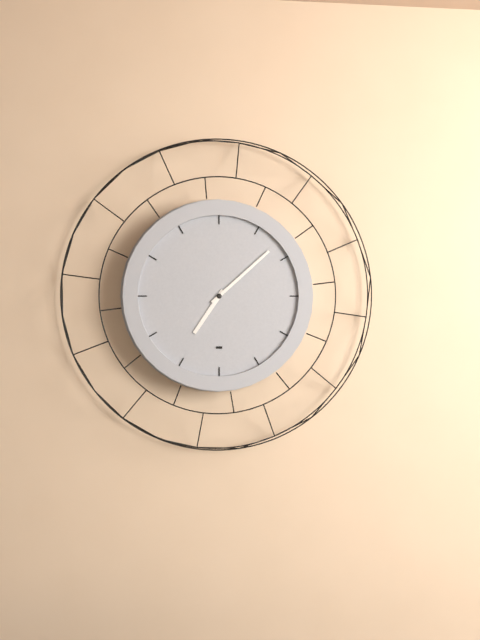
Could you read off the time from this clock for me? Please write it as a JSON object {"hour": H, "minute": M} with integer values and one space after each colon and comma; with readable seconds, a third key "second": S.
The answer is {"hour": 7, "minute": 8}
